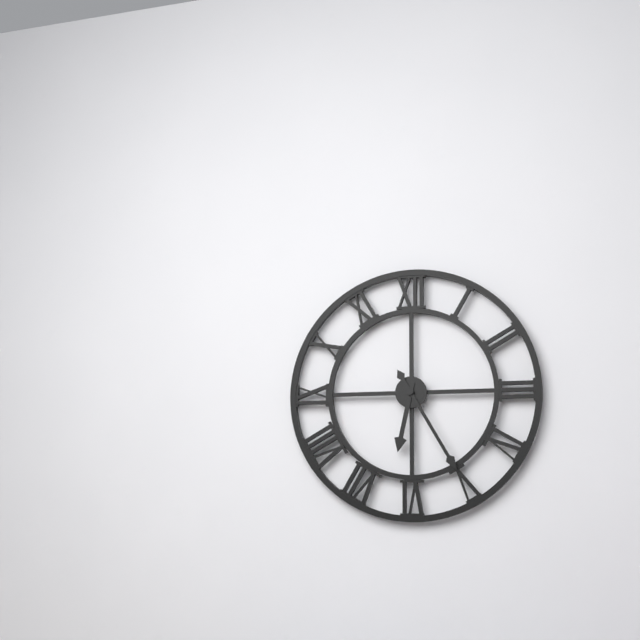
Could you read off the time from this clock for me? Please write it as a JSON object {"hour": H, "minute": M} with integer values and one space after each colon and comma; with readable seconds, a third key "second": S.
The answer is {"hour": 6, "minute": 25}
